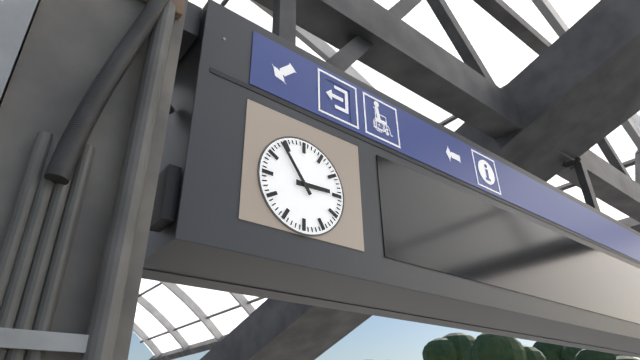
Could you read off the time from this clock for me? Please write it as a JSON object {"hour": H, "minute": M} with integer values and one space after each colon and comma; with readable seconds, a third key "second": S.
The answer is {"hour": 2, "minute": 54}
